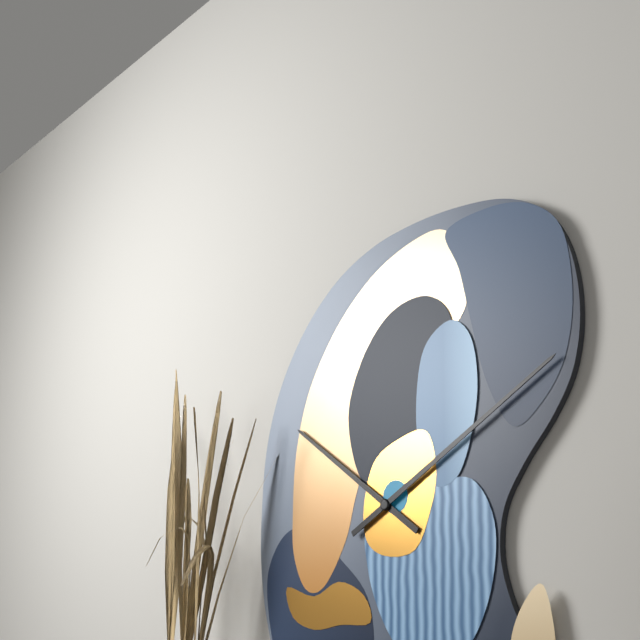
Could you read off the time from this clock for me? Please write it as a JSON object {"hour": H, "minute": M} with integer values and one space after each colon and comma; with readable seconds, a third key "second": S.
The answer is {"hour": 10, "minute": 10}
